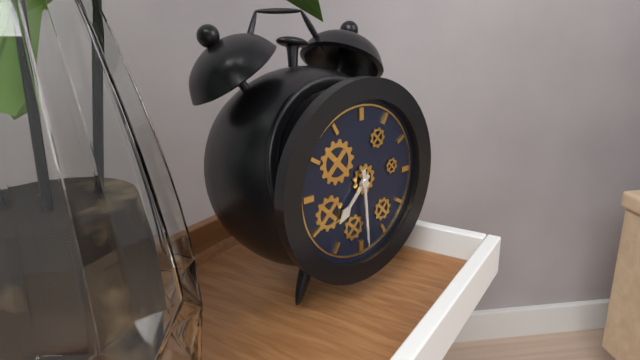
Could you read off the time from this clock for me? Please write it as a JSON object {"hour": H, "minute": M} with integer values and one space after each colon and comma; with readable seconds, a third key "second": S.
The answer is {"hour": 7, "minute": 29}
